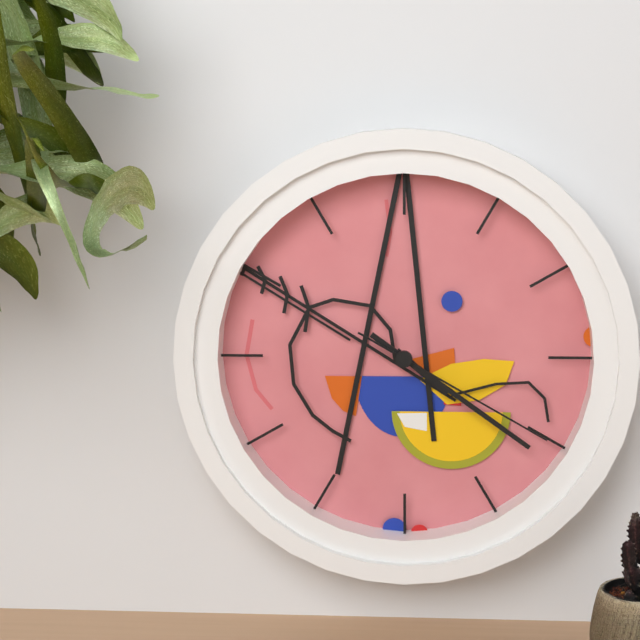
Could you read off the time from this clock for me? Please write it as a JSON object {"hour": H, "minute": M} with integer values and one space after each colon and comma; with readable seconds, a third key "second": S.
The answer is {"hour": 4, "minute": 21, "second": 20}
